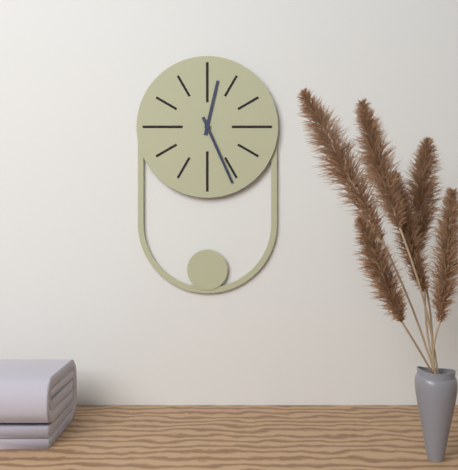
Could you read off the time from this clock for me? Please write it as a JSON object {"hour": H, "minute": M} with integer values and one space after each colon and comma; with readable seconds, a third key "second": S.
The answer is {"hour": 12, "minute": 26}
